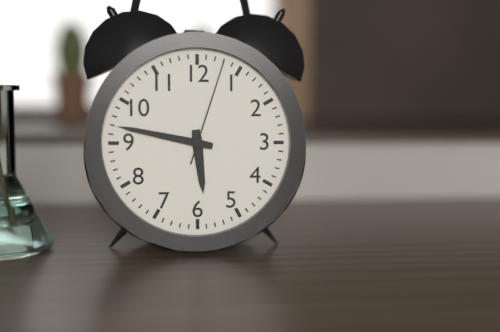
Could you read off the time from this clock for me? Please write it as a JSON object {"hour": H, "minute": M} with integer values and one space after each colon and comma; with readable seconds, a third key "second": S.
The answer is {"hour": 5, "minute": 47, "second": 3}
